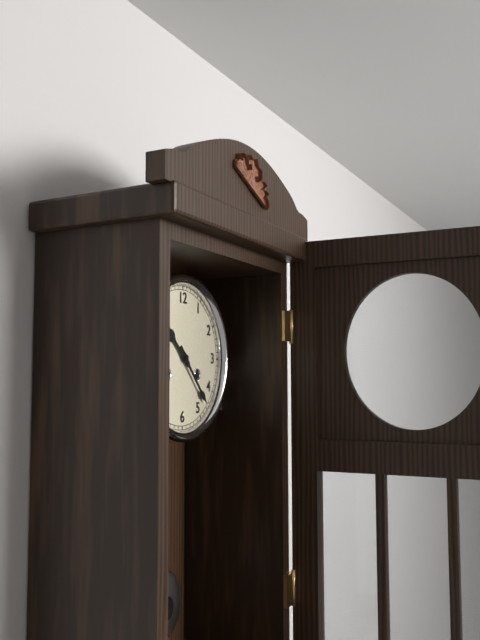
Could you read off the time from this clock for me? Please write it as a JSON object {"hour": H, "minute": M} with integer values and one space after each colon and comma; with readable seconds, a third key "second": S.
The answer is {"hour": 10, "minute": 23}
